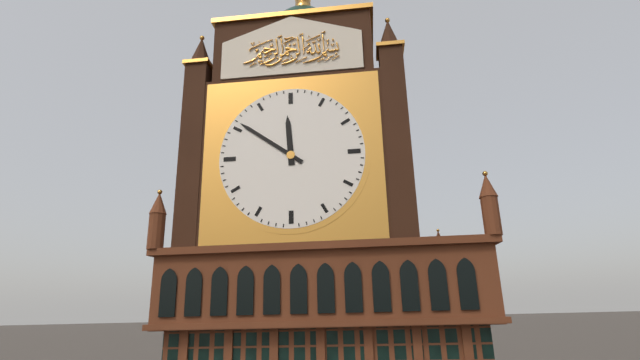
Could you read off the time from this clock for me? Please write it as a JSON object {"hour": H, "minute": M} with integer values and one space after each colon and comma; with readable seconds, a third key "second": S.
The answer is {"hour": 11, "minute": 51}
